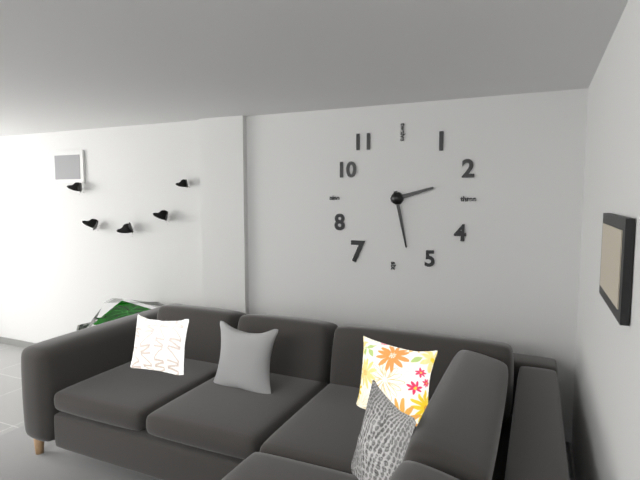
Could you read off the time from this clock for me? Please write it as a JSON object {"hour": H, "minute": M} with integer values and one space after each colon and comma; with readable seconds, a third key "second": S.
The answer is {"hour": 2, "minute": 28}
